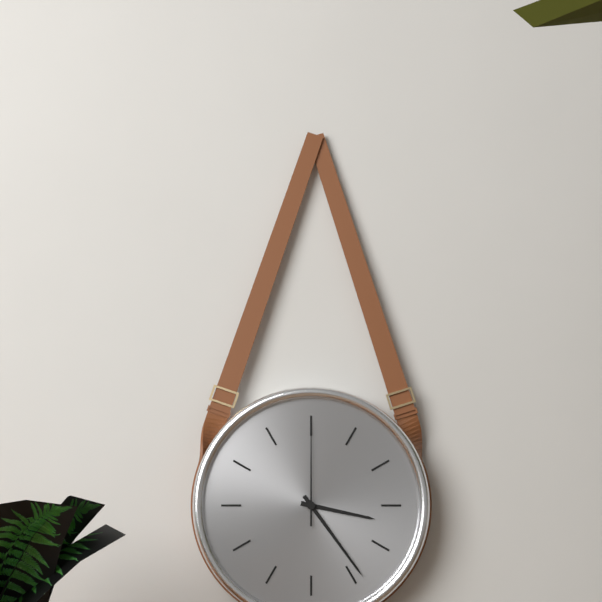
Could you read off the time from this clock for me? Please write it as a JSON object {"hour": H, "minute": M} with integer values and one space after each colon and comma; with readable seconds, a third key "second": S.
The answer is {"hour": 3, "minute": 24, "second": 0}
